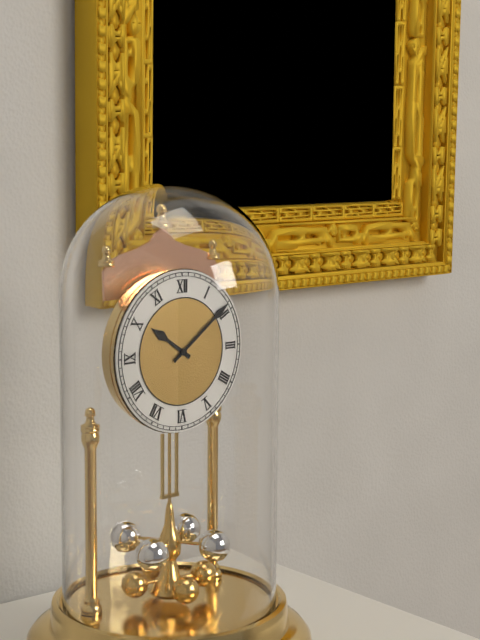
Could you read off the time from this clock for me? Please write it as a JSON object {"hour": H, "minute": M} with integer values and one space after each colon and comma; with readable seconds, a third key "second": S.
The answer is {"hour": 10, "minute": 9}
